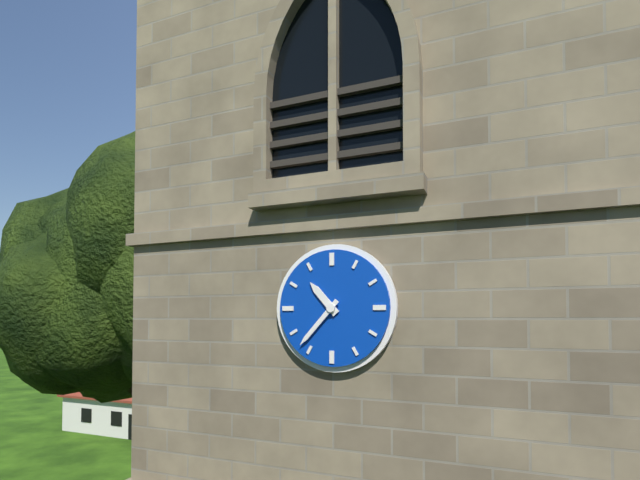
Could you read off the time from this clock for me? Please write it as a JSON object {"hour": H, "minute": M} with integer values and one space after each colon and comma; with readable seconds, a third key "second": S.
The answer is {"hour": 10, "minute": 37}
